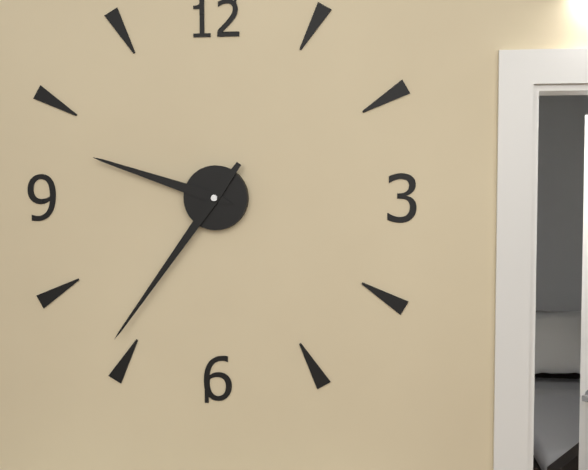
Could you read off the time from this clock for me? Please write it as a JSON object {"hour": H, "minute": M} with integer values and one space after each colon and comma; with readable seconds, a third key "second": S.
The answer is {"hour": 9, "minute": 36}
